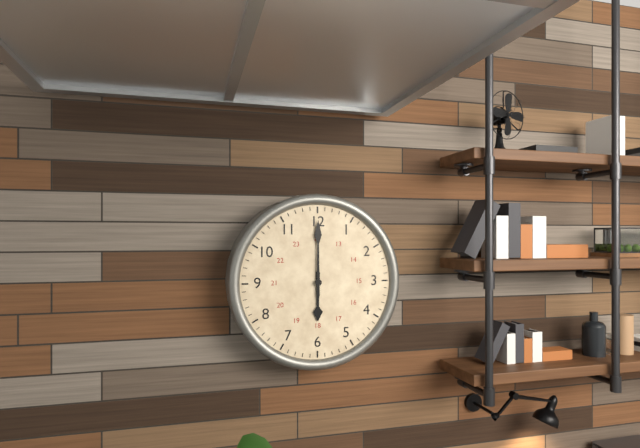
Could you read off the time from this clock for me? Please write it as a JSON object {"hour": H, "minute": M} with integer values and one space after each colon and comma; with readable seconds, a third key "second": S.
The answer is {"hour": 6, "minute": 0}
